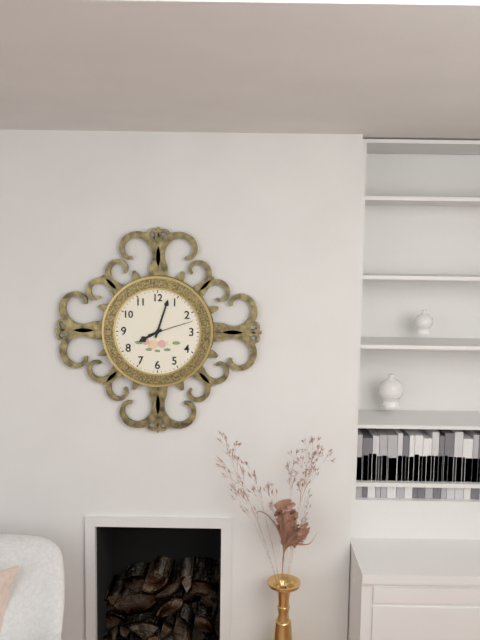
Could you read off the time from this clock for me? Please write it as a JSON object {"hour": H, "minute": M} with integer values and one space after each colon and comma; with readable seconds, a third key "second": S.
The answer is {"hour": 8, "minute": 3}
